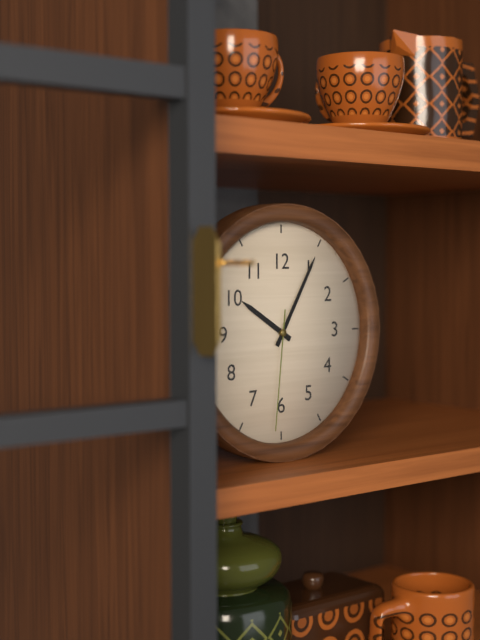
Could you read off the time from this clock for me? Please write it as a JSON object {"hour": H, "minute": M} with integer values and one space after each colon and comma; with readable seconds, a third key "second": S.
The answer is {"hour": 10, "minute": 5, "second": 31}
